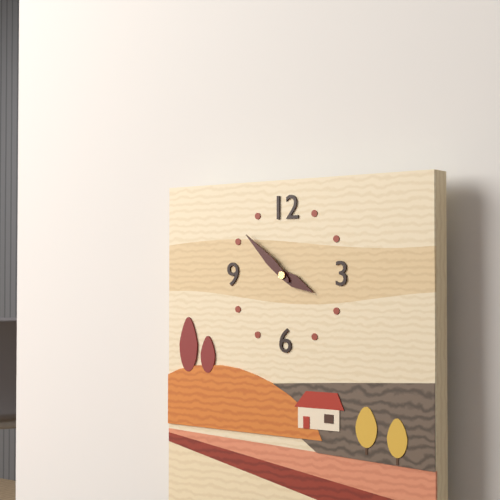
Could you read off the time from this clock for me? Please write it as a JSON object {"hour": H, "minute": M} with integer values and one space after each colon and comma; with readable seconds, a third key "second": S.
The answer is {"hour": 3, "minute": 52}
